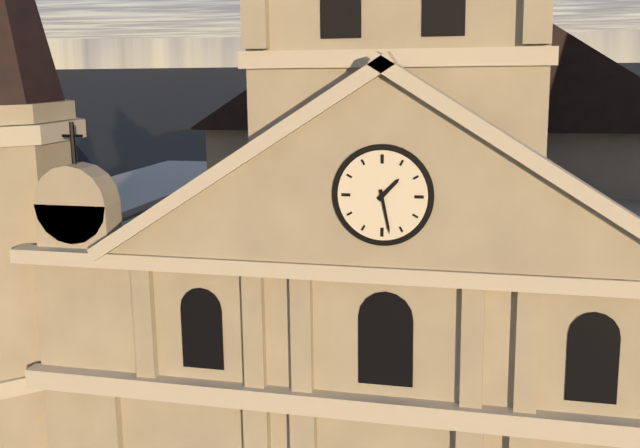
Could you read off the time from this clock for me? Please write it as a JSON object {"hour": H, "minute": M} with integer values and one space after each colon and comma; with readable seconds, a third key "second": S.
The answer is {"hour": 1, "minute": 28}
